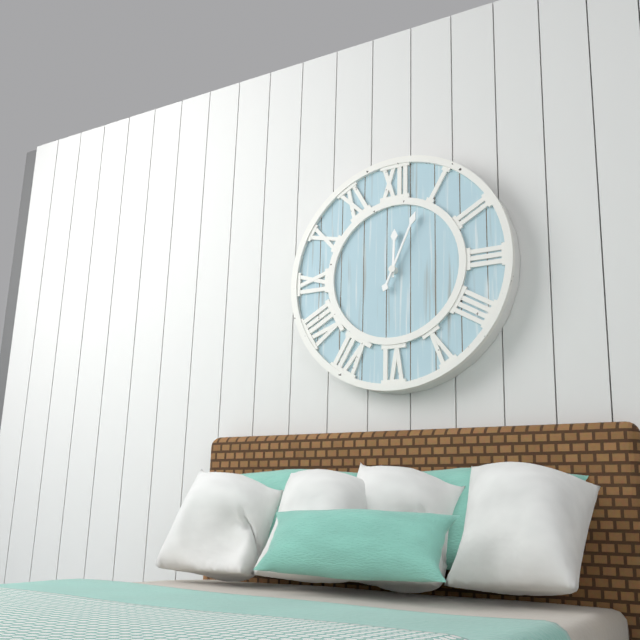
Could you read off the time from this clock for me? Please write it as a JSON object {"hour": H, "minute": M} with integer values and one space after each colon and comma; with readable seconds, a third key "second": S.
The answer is {"hour": 12, "minute": 4}
